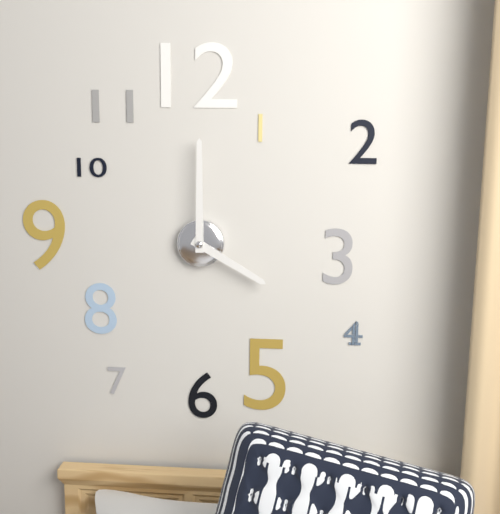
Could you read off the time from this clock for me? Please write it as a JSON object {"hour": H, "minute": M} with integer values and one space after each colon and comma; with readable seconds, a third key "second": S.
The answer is {"hour": 4, "minute": 0}
